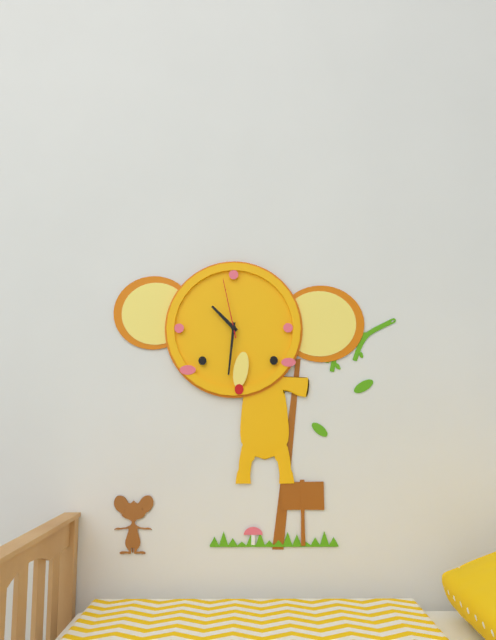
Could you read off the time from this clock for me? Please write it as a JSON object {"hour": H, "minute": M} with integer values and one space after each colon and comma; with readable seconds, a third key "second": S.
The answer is {"hour": 10, "minute": 31, "second": 58}
